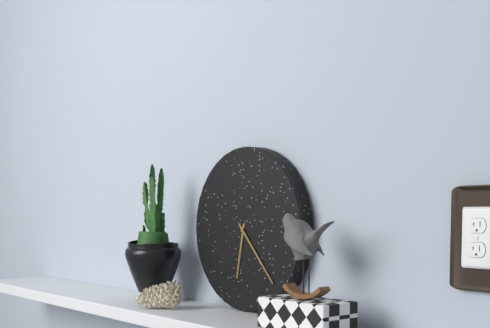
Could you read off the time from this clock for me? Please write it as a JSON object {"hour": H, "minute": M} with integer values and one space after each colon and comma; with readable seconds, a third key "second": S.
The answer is {"hour": 6, "minute": 23}
